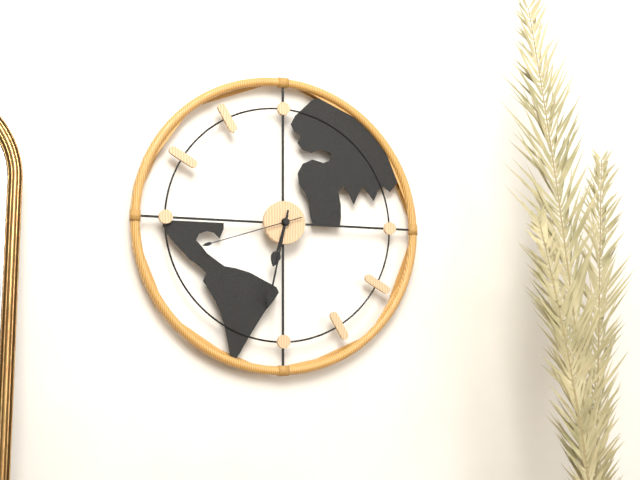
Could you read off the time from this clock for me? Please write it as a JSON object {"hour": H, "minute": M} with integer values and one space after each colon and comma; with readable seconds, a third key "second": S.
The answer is {"hour": 6, "minute": 32, "second": 42}
